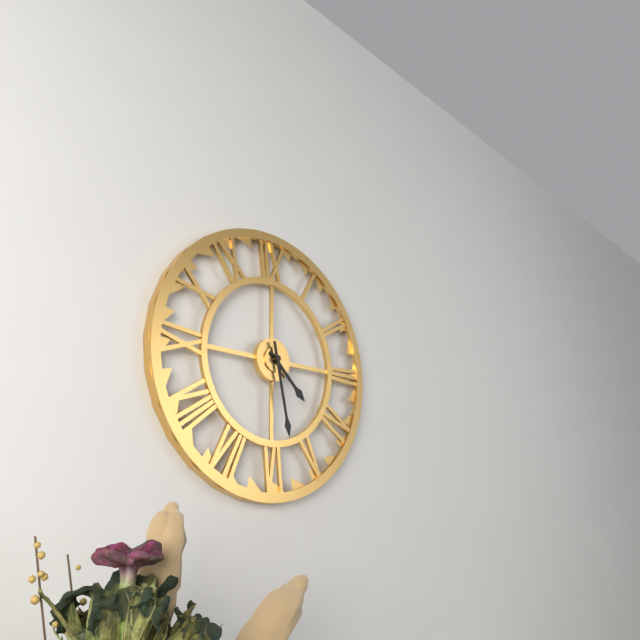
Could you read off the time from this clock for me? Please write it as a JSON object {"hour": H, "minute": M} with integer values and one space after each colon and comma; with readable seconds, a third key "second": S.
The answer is {"hour": 4, "minute": 28}
